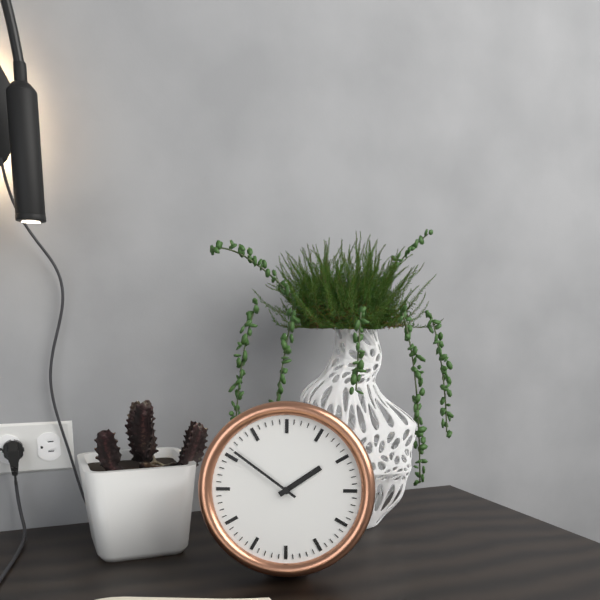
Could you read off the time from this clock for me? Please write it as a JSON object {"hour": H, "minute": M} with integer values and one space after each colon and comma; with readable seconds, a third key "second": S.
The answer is {"hour": 1, "minute": 51}
